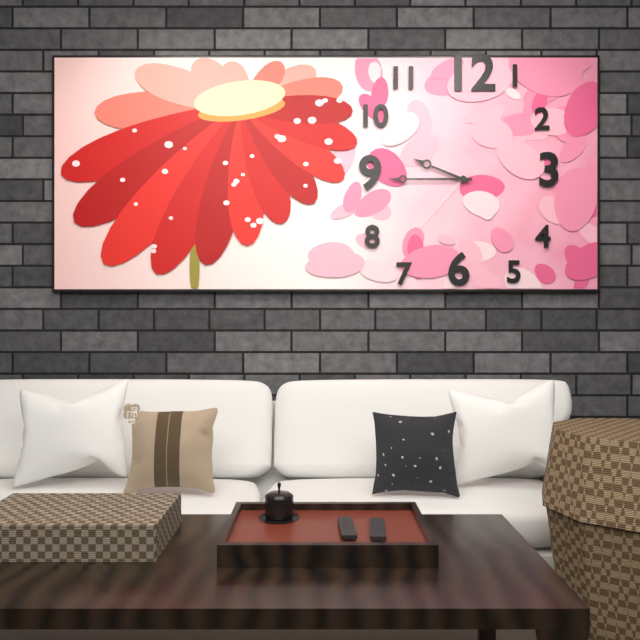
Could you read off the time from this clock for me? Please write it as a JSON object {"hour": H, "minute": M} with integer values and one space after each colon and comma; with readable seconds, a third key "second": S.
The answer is {"hour": 9, "minute": 45, "second": 37}
